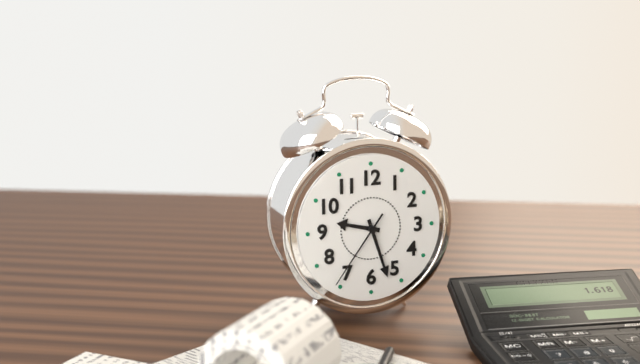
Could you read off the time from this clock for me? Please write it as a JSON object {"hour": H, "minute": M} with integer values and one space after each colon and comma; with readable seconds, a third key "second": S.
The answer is {"hour": 9, "minute": 27, "second": 36}
